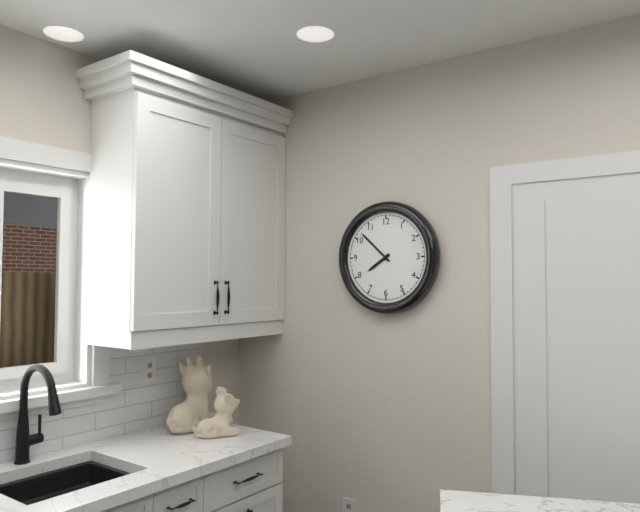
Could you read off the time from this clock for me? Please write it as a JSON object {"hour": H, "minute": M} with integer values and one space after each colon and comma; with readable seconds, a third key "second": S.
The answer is {"hour": 7, "minute": 52}
